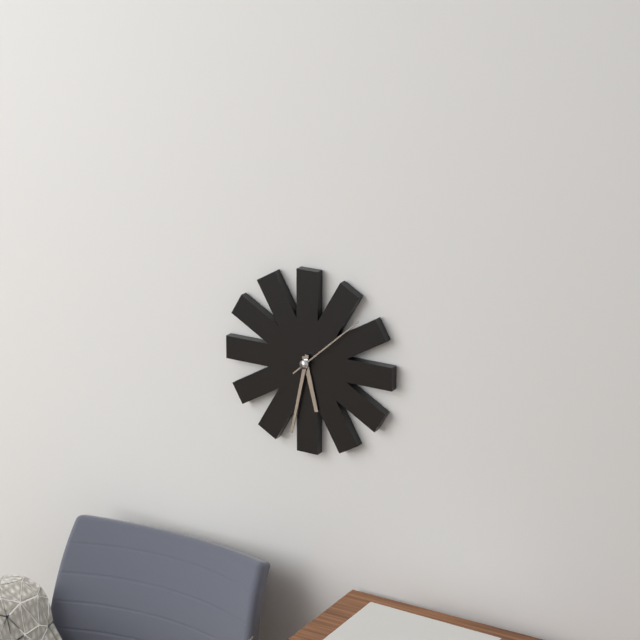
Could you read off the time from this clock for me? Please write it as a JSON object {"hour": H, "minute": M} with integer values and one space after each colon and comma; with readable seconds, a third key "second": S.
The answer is {"hour": 5, "minute": 32, "second": 8}
